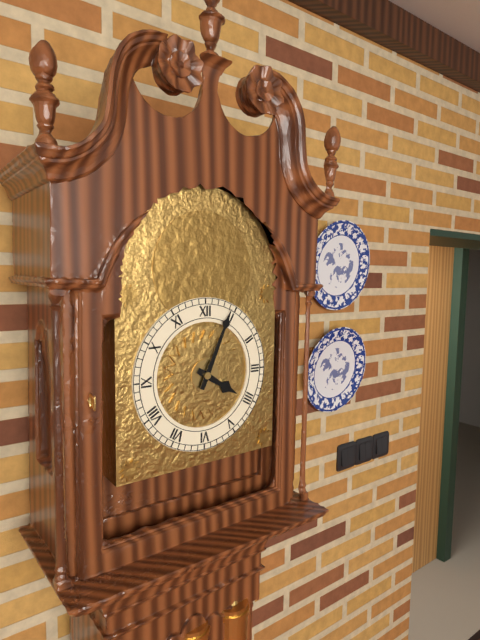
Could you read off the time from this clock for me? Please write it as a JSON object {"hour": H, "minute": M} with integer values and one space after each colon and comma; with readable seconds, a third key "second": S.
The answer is {"hour": 4, "minute": 4}
